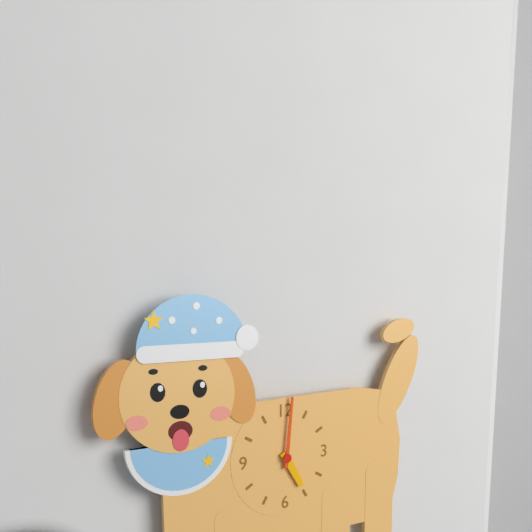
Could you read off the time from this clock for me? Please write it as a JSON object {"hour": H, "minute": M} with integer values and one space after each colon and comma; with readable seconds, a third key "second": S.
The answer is {"hour": 5, "minute": 1}
